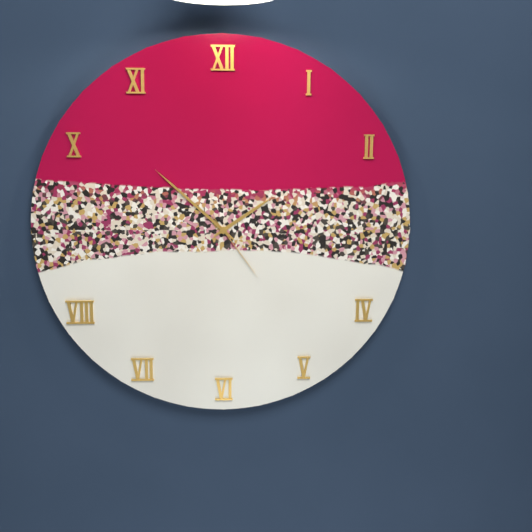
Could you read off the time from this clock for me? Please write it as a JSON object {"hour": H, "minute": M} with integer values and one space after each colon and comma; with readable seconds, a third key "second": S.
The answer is {"hour": 1, "minute": 52, "second": 24}
